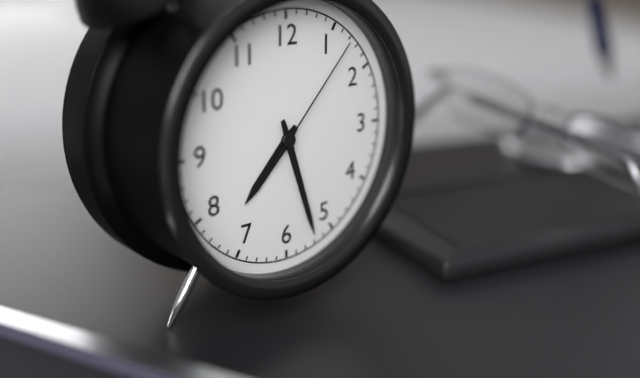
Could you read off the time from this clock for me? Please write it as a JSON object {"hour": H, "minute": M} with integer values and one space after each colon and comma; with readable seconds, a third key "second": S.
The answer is {"hour": 7, "minute": 27, "second": 7}
